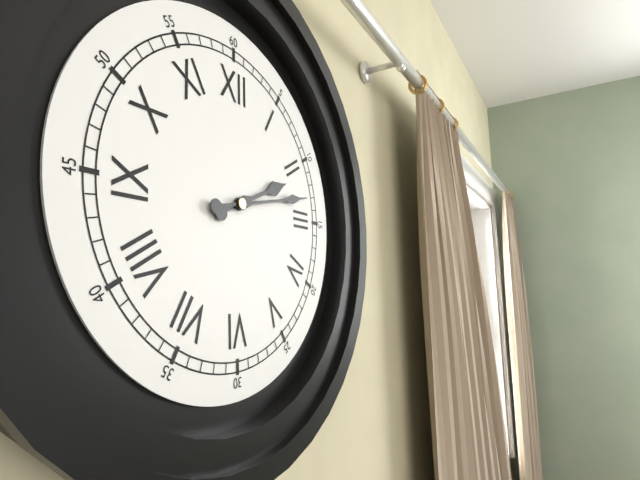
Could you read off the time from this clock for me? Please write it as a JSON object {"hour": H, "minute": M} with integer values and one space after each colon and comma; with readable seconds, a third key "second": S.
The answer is {"hour": 2, "minute": 13}
